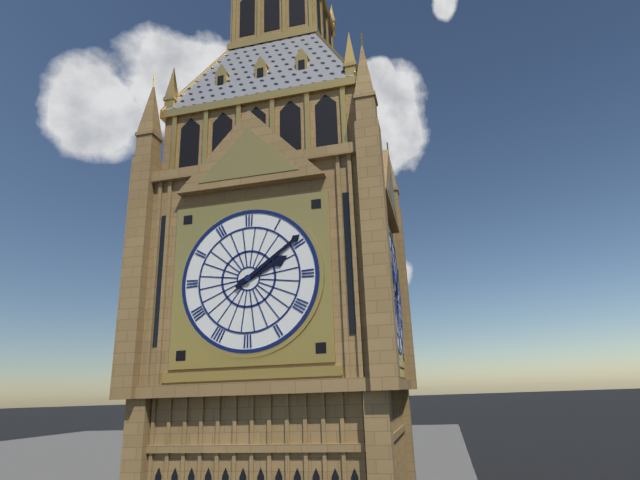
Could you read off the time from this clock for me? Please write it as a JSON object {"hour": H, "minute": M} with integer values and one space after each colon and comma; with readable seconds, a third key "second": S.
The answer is {"hour": 2, "minute": 9}
